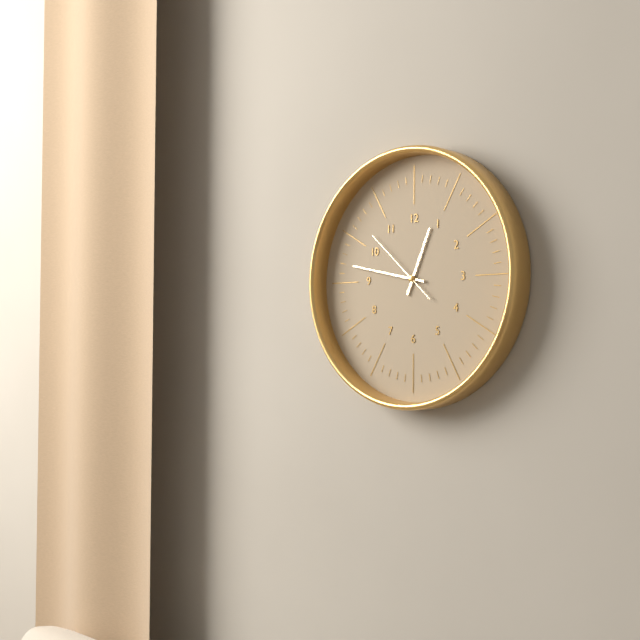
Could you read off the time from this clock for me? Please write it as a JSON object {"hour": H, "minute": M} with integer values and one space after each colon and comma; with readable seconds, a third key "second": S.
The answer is {"hour": 12, "minute": 47, "second": 52}
